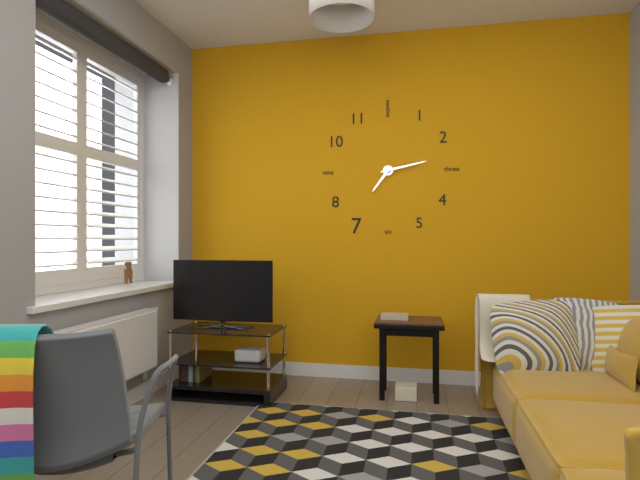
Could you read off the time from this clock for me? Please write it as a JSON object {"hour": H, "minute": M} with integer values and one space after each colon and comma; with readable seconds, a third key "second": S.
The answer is {"hour": 7, "minute": 13}
